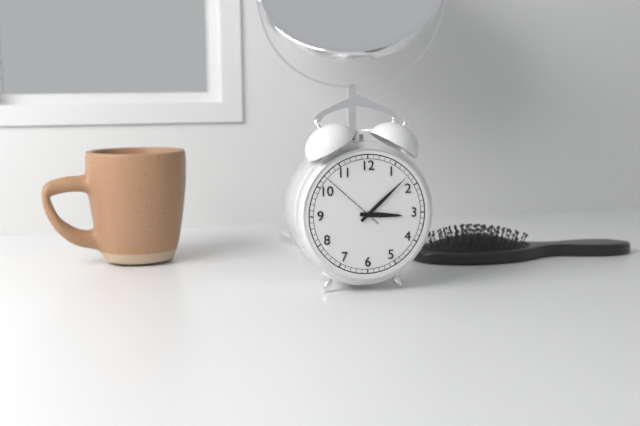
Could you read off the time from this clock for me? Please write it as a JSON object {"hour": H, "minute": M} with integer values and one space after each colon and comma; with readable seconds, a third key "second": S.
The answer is {"hour": 3, "minute": 8, "second": 52}
